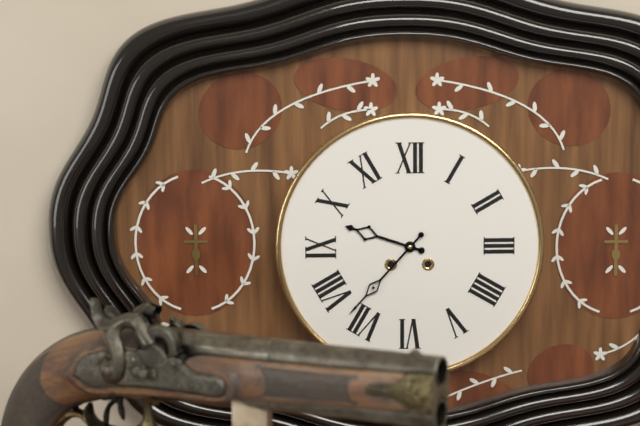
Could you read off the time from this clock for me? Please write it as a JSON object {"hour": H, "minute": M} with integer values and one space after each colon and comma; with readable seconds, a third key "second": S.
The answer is {"hour": 9, "minute": 37}
